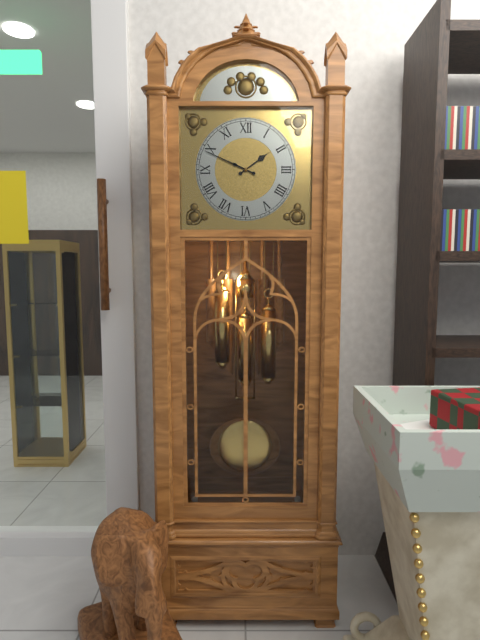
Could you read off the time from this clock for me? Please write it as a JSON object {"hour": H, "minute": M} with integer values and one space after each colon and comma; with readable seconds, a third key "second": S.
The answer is {"hour": 1, "minute": 49}
